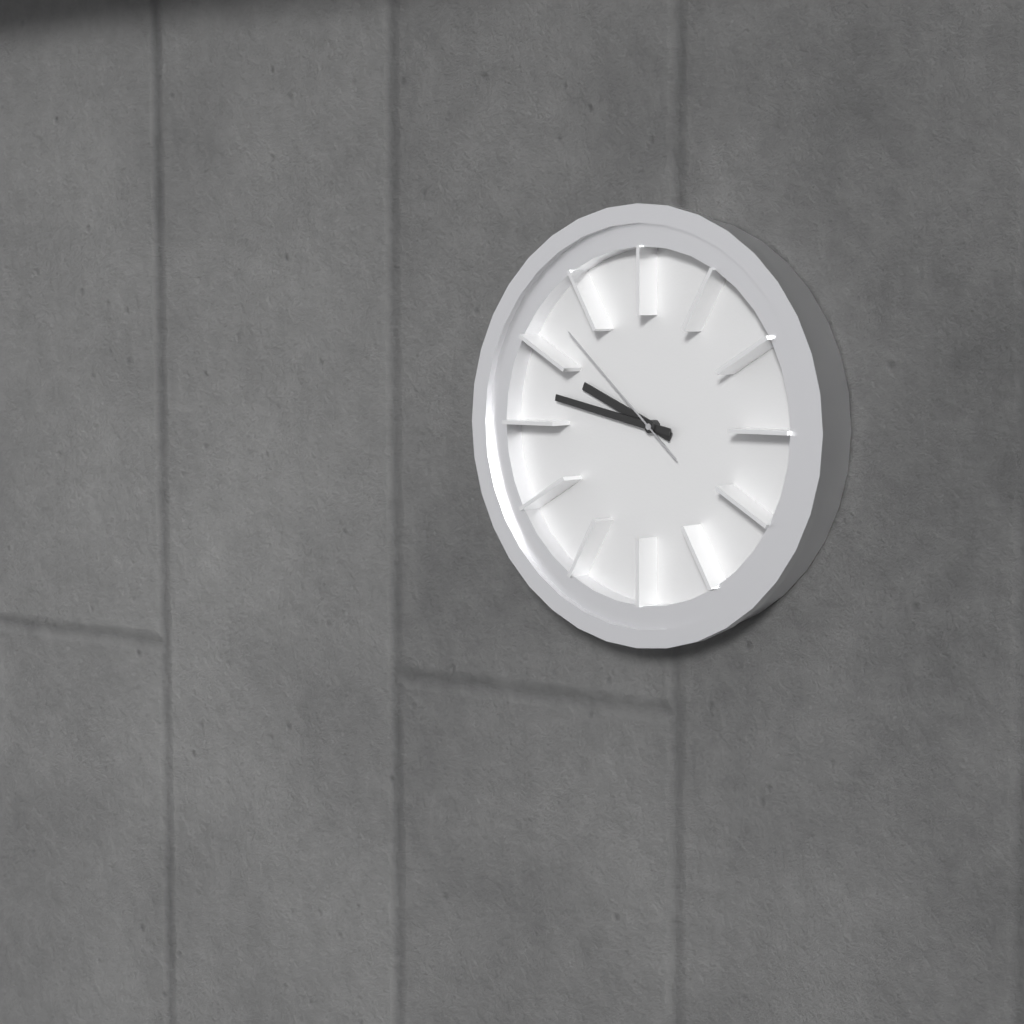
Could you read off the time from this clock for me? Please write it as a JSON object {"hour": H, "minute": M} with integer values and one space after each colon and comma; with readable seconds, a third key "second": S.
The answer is {"hour": 9, "minute": 47, "second": 52}
